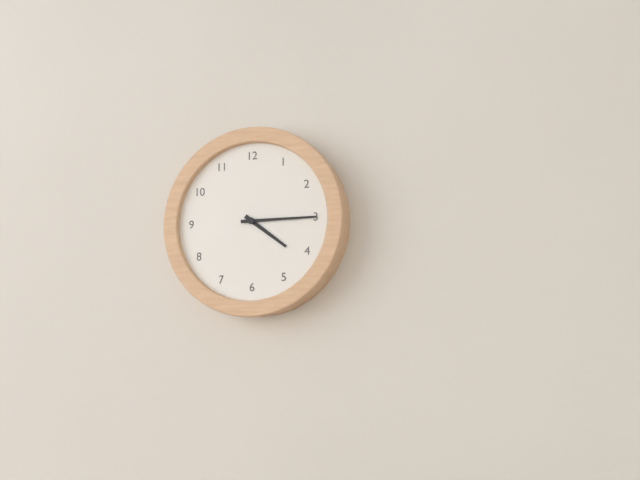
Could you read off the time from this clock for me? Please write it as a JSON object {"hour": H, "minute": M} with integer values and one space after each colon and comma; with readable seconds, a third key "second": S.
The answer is {"hour": 4, "minute": 15}
